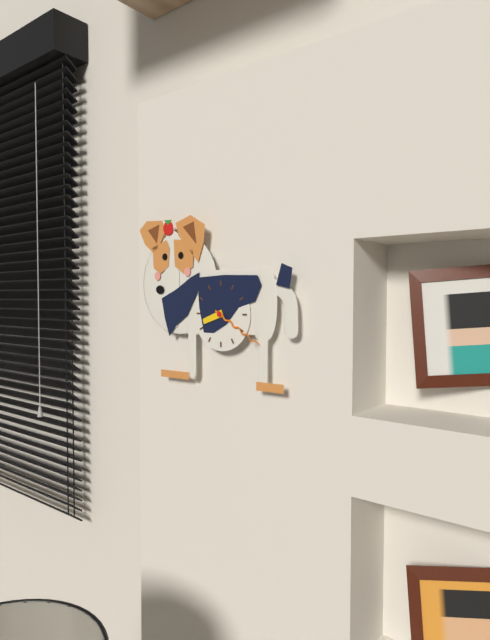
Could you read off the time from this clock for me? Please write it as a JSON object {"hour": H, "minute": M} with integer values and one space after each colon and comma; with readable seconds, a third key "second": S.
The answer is {"hour": 8, "minute": 20}
